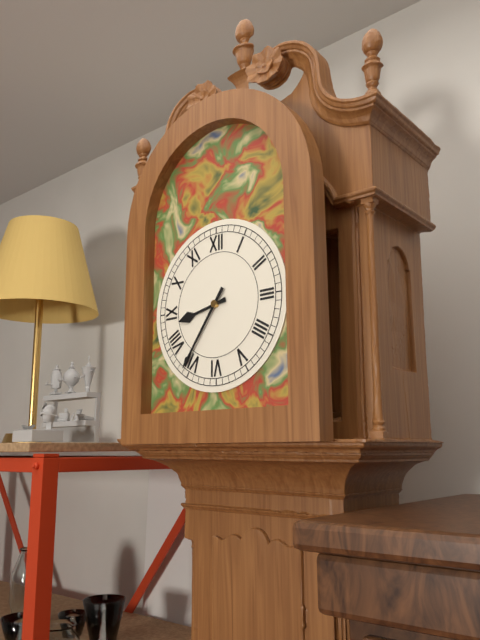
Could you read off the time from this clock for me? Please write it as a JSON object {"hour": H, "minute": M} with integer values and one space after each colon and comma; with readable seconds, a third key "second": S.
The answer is {"hour": 8, "minute": 36}
